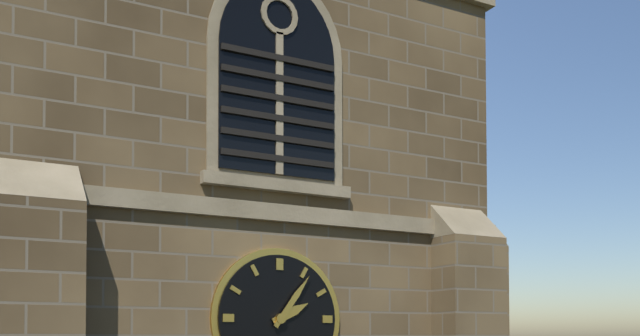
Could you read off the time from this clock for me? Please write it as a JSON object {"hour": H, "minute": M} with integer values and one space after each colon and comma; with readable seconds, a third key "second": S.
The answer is {"hour": 2, "minute": 6}
